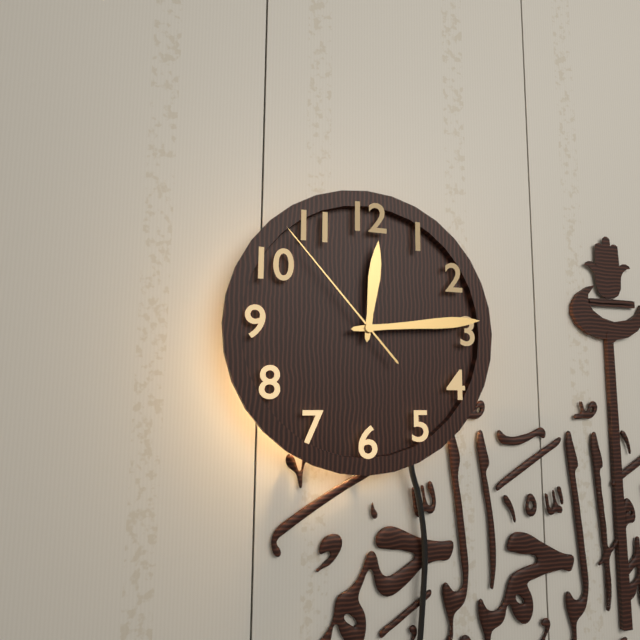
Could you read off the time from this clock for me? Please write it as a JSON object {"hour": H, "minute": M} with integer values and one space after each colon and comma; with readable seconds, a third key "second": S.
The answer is {"hour": 12, "minute": 14, "second": 53}
